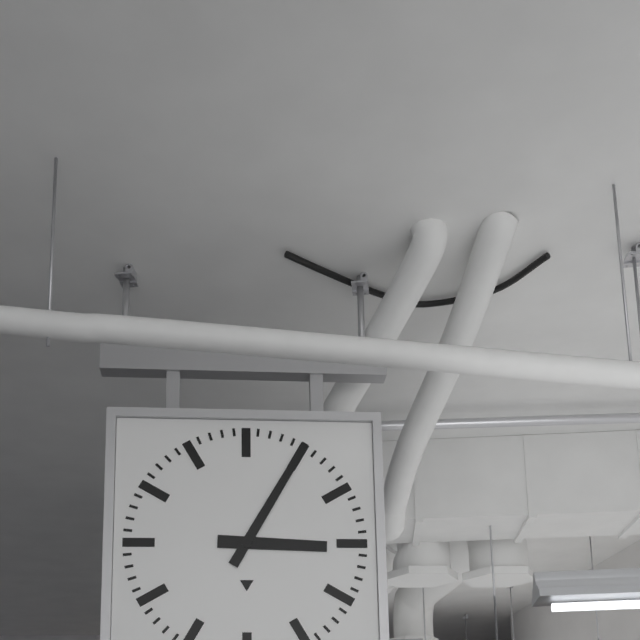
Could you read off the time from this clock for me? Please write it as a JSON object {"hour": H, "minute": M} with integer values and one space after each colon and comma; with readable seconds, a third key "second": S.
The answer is {"hour": 3, "minute": 5}
